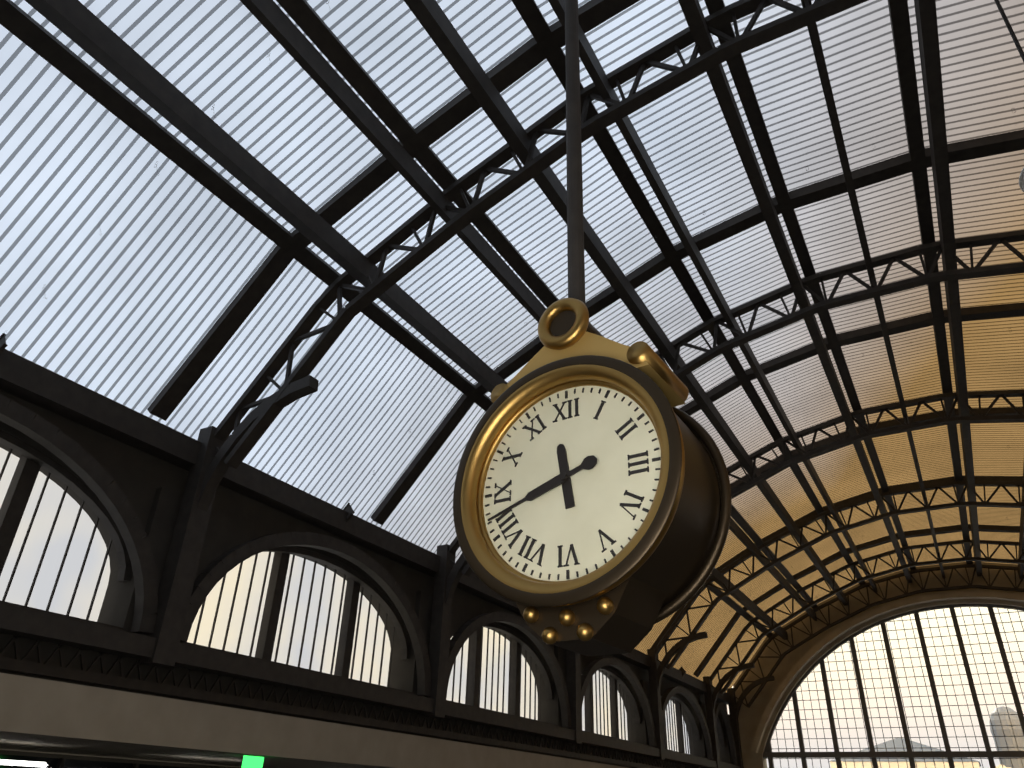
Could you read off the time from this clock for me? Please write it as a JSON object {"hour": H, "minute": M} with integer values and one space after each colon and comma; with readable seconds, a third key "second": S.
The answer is {"hour": 11, "minute": 42}
